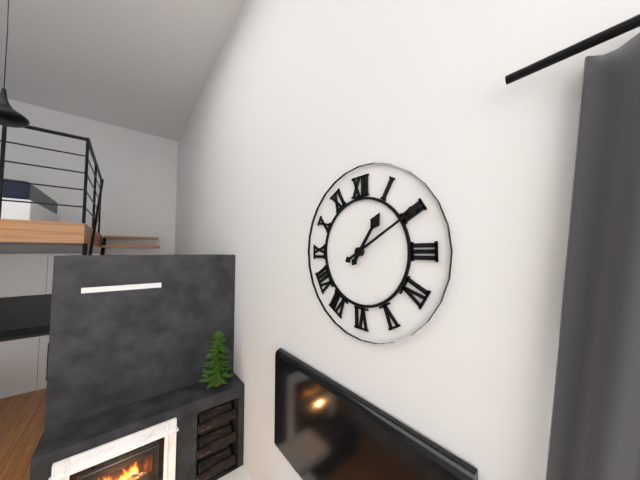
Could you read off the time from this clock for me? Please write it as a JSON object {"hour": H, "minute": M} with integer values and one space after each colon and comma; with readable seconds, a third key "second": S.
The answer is {"hour": 1, "minute": 10}
